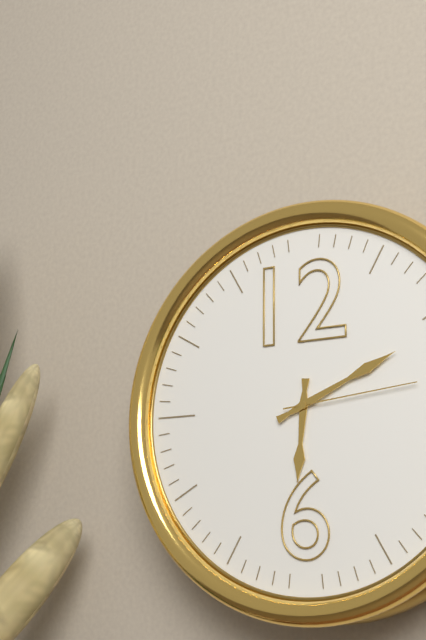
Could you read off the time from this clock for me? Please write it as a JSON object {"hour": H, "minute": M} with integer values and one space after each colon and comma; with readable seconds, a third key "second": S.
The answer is {"hour": 6, "minute": 11, "second": 14}
